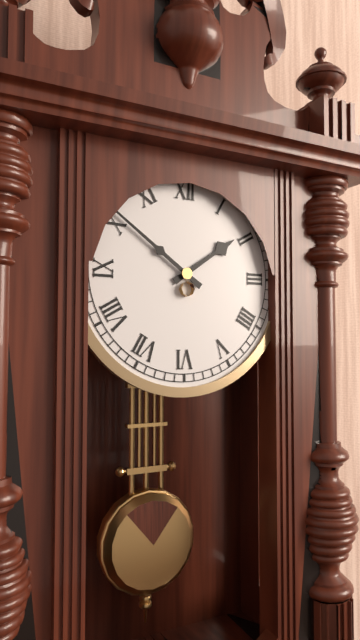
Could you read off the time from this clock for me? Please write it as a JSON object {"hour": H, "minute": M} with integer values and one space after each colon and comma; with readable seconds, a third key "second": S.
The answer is {"hour": 1, "minute": 51}
